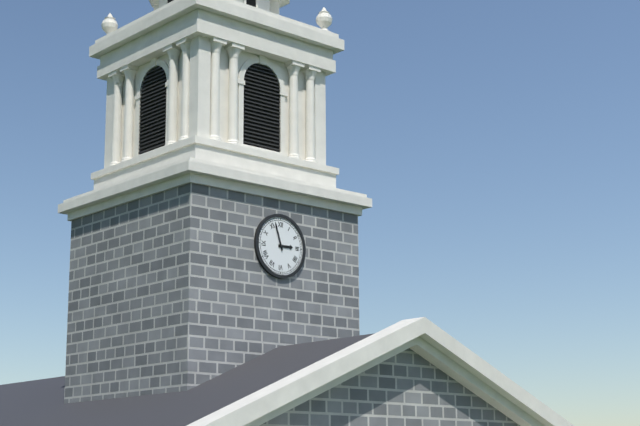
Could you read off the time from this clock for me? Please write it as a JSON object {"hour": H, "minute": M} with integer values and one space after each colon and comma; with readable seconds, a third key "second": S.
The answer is {"hour": 2, "minute": 57}
